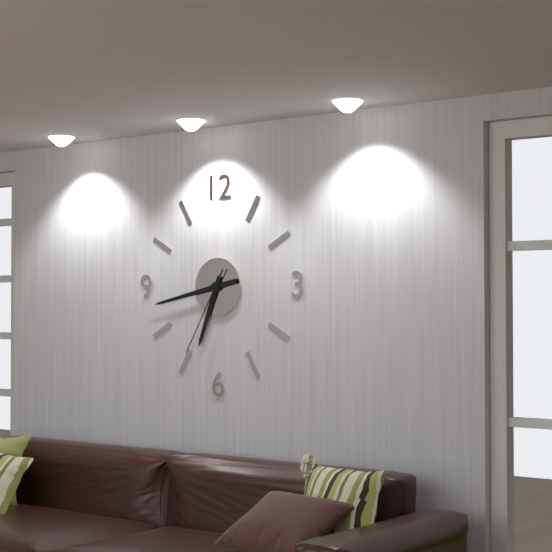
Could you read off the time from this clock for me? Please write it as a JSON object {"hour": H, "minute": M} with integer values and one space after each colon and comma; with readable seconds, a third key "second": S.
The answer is {"hour": 6, "minute": 43, "second": 35}
